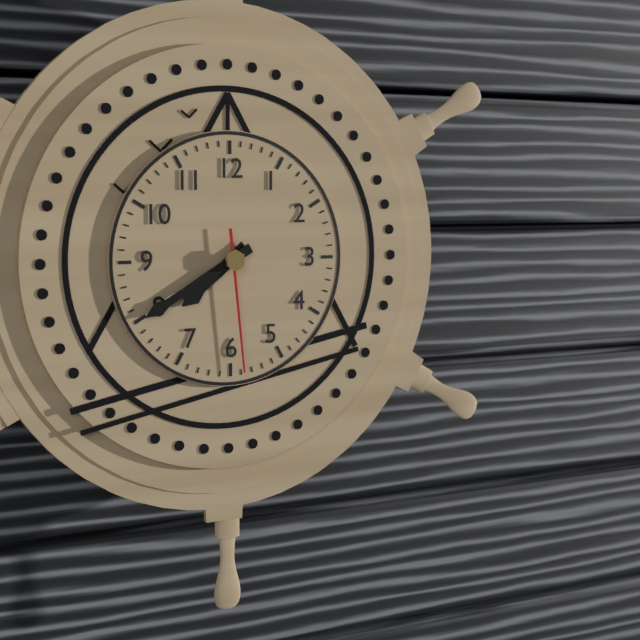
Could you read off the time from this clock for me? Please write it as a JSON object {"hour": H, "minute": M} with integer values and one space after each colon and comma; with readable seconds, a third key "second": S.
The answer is {"hour": 7, "minute": 40, "second": 29}
